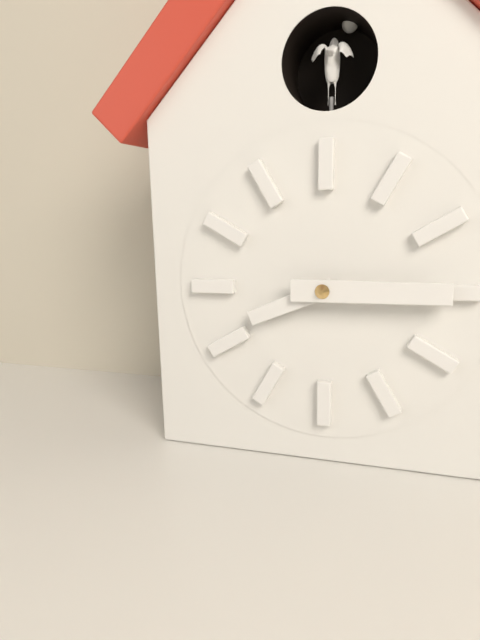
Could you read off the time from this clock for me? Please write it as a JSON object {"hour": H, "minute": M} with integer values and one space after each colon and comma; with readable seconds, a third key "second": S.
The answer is {"hour": 8, "minute": 15}
